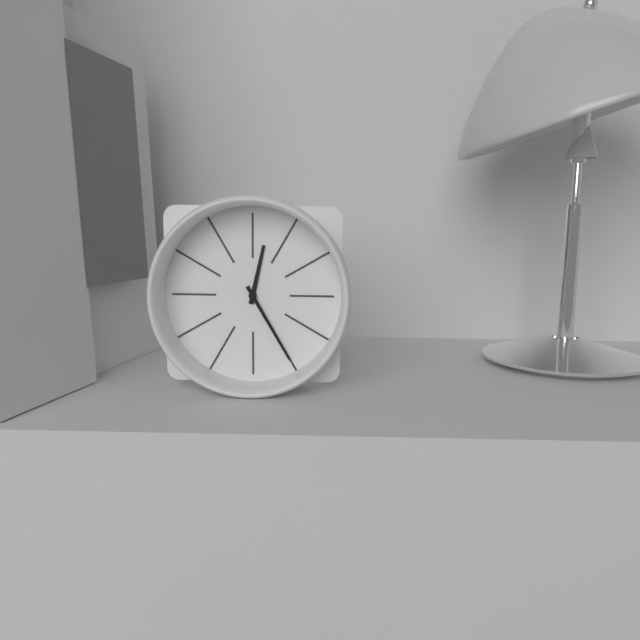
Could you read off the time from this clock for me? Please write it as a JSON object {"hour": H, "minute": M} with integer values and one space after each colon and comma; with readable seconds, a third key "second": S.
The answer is {"hour": 12, "minute": 25}
